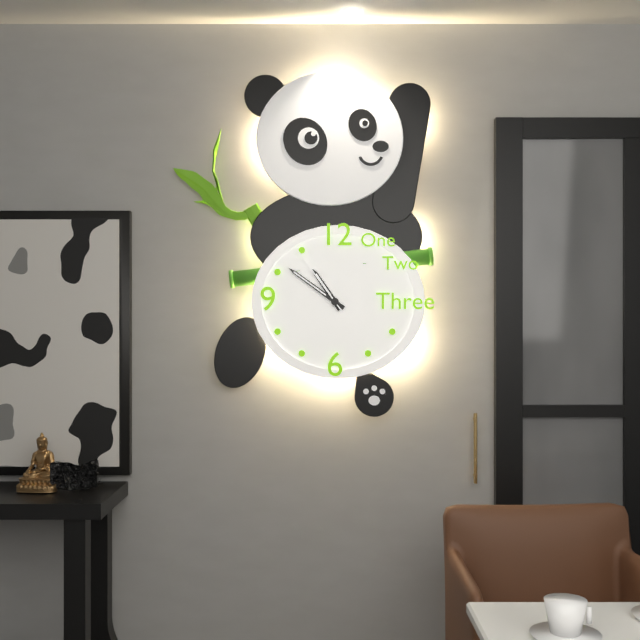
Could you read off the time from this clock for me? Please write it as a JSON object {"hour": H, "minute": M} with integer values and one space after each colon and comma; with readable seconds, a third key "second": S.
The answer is {"hour": 10, "minute": 51, "second": 54}
